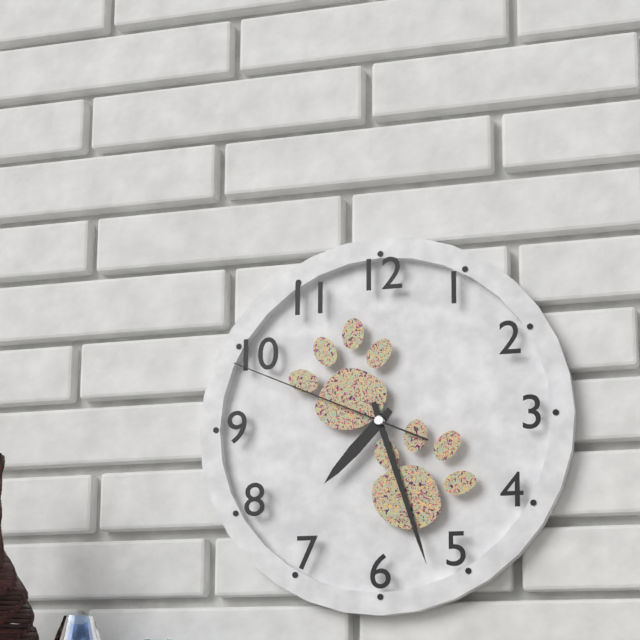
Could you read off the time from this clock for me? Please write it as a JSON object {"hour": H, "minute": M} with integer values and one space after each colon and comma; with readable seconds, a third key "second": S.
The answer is {"hour": 7, "minute": 27, "second": 49}
